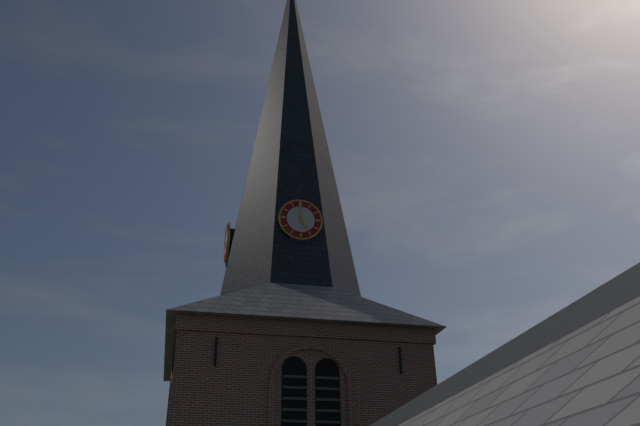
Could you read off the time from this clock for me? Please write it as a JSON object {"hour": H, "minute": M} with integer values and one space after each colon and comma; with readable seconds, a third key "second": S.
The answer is {"hour": 4, "minute": 59}
